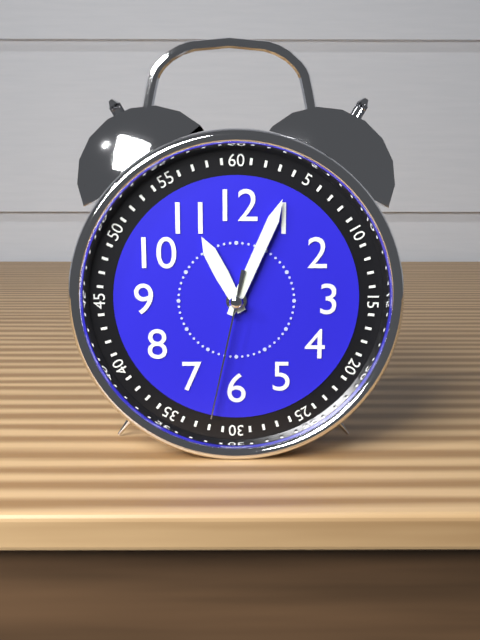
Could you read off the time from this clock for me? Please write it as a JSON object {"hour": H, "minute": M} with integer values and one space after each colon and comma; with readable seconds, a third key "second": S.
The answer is {"hour": 11, "minute": 4, "second": 32}
